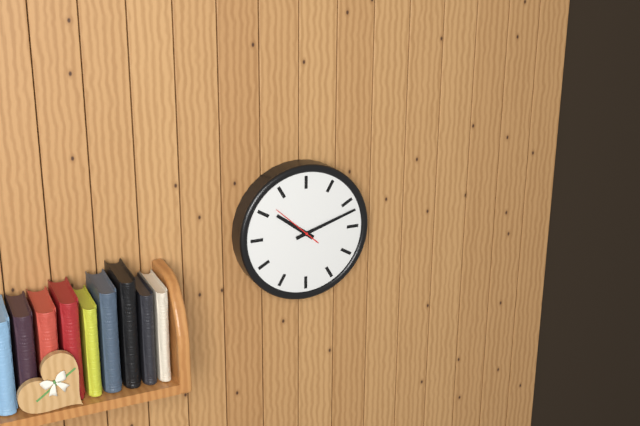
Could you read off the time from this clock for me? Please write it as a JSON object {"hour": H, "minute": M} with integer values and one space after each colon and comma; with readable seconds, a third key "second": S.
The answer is {"hour": 10, "minute": 12}
